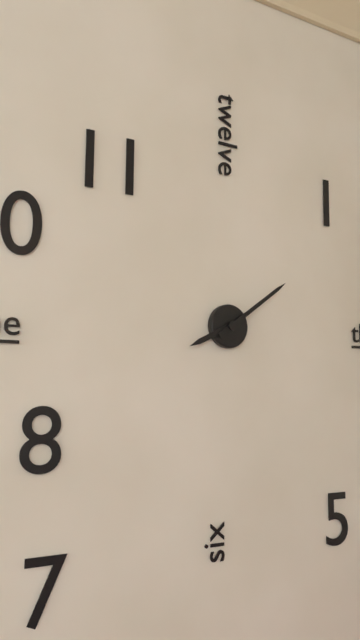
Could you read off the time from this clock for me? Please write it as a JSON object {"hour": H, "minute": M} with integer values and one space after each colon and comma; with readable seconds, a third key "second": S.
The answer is {"hour": 8, "minute": 9}
